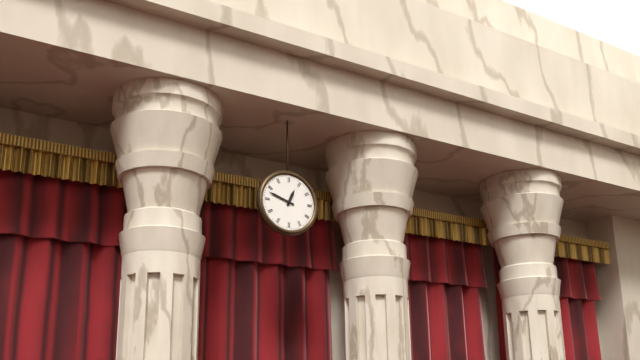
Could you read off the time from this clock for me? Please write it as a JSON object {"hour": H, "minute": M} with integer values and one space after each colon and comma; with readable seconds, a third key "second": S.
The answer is {"hour": 12, "minute": 48}
